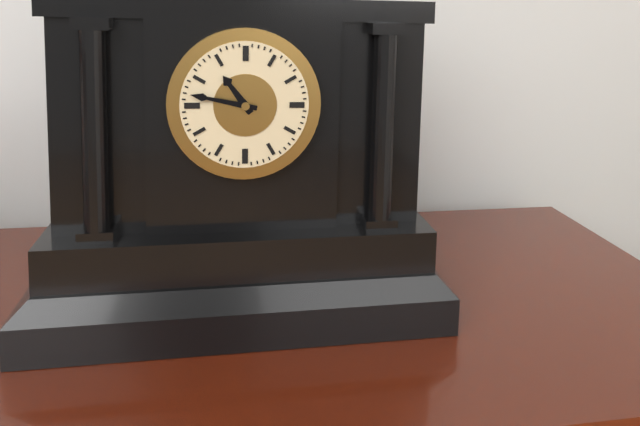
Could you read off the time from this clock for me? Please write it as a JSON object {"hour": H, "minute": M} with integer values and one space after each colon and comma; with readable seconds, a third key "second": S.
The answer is {"hour": 10, "minute": 47}
